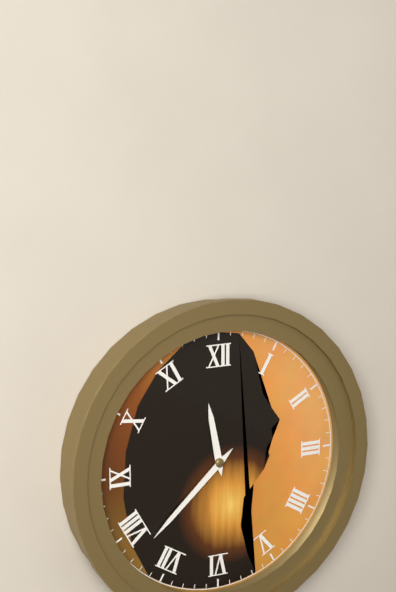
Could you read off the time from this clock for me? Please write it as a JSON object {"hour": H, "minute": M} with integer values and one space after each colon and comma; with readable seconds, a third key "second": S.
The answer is {"hour": 11, "minute": 38}
